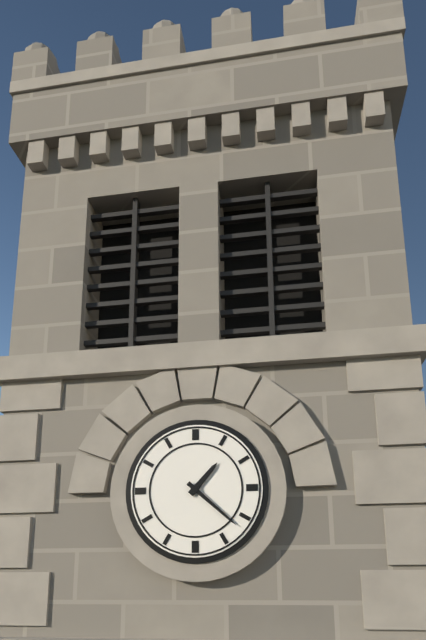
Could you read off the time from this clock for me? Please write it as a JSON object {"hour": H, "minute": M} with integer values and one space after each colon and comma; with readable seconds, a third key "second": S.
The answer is {"hour": 1, "minute": 22}
